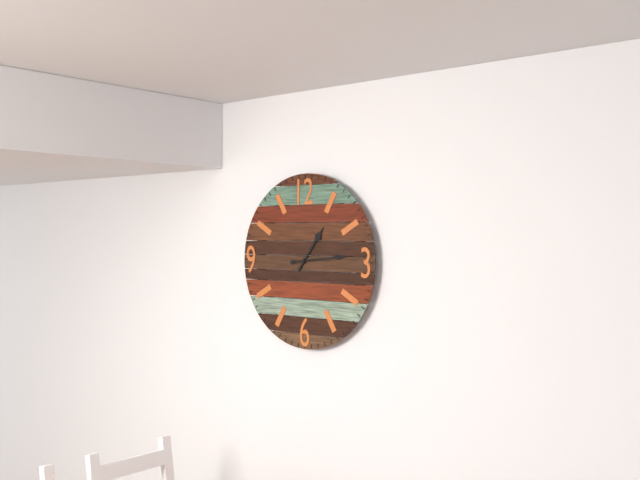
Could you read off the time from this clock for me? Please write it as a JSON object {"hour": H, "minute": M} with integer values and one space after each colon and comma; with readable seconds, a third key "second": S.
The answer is {"hour": 1, "minute": 14}
